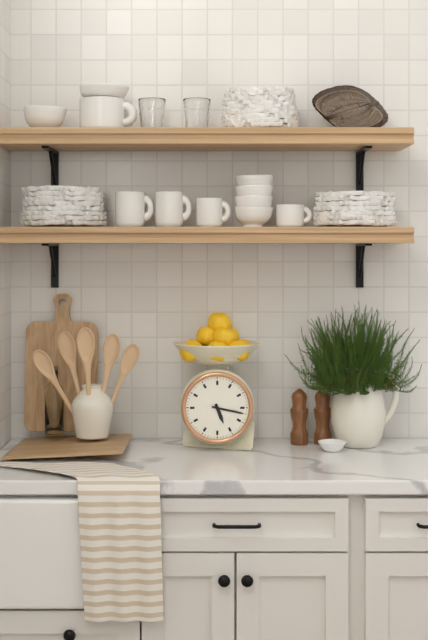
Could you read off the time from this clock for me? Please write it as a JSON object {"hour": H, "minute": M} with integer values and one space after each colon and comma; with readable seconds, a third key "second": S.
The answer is {"hour": 5, "minute": 17}
